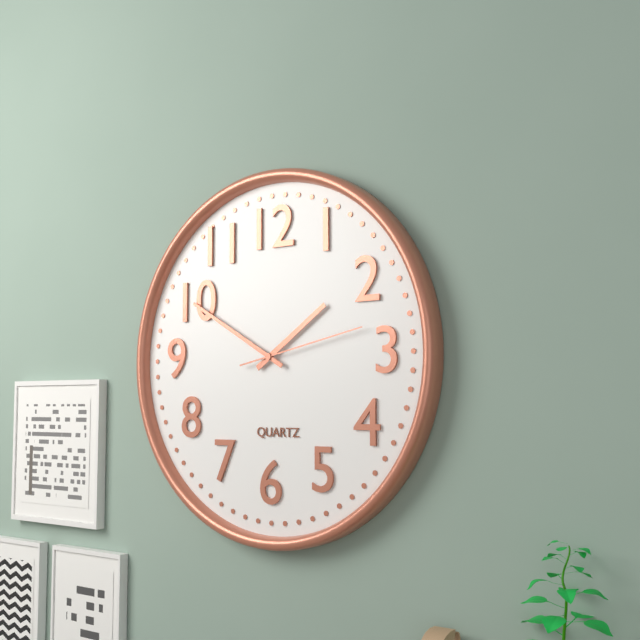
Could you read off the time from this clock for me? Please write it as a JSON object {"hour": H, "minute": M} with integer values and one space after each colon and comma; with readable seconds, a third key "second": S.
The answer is {"hour": 1, "minute": 50, "second": 13}
